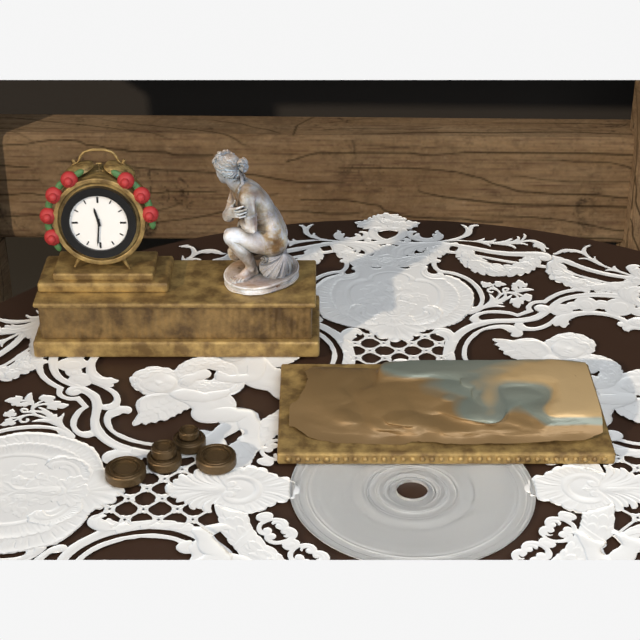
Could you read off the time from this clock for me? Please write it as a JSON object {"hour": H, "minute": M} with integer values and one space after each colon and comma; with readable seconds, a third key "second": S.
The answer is {"hour": 11, "minute": 31}
